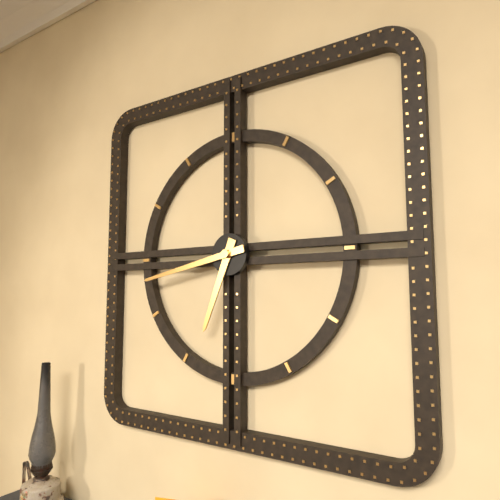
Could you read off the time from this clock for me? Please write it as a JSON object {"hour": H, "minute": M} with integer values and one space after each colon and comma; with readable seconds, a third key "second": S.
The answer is {"hour": 6, "minute": 43}
